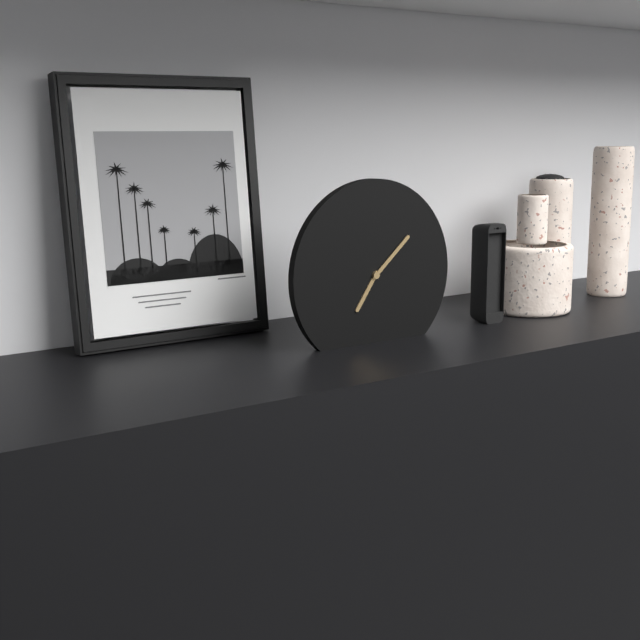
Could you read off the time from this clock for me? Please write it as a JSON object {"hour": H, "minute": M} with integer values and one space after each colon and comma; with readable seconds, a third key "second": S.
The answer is {"hour": 7, "minute": 8}
